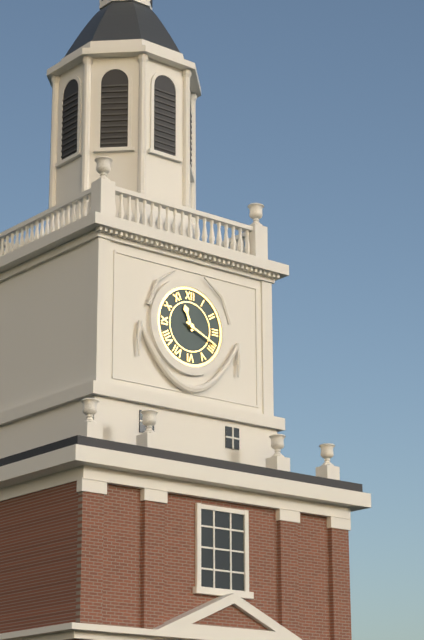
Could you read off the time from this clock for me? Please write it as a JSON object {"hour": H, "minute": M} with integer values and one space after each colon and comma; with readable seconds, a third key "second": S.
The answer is {"hour": 11, "minute": 19}
